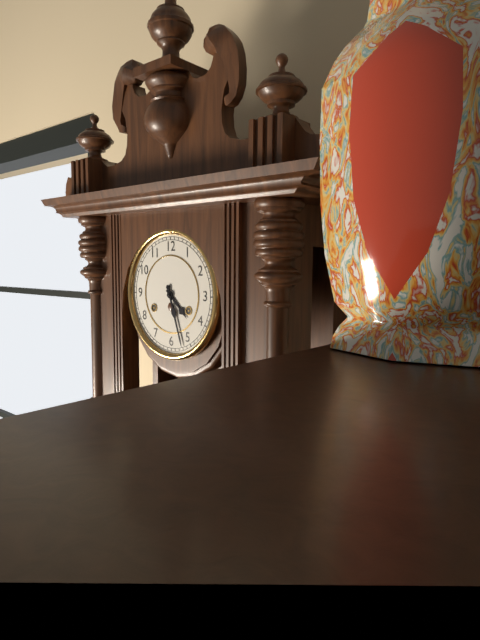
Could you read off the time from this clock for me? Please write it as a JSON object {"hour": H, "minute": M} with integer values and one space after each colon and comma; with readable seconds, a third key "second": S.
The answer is {"hour": 4, "minute": 27}
